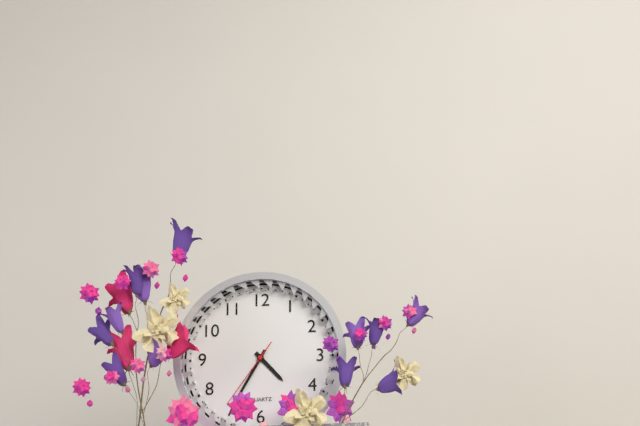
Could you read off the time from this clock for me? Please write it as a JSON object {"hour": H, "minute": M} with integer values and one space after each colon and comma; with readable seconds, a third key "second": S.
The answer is {"hour": 4, "minute": 35, "second": 36}
